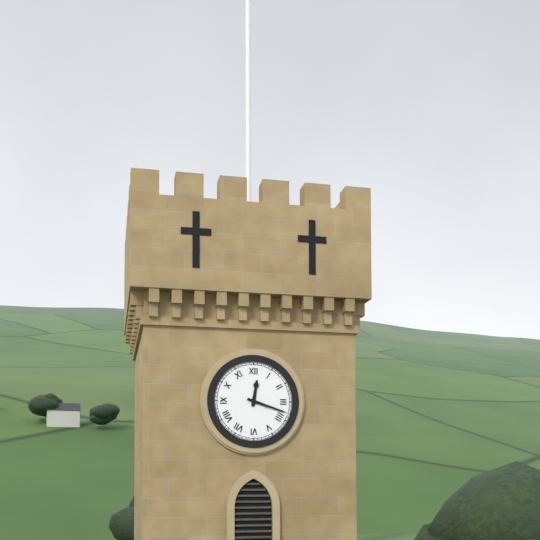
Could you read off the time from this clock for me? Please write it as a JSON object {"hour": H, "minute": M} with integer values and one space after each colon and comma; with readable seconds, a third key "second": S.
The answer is {"hour": 12, "minute": 18}
